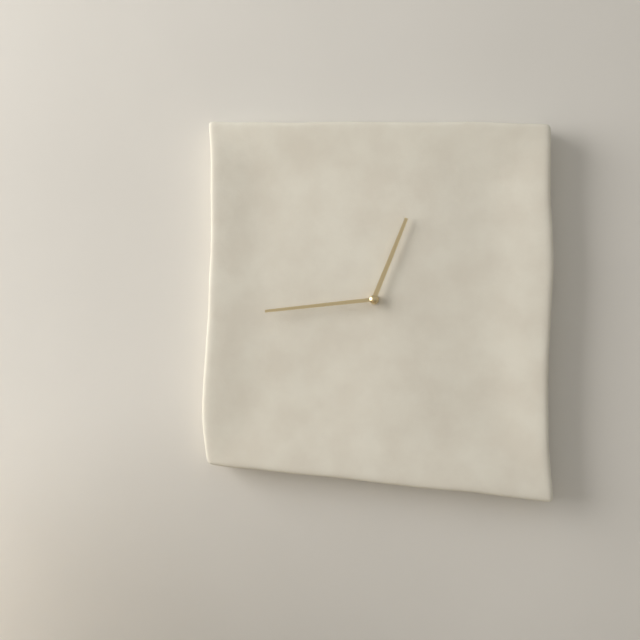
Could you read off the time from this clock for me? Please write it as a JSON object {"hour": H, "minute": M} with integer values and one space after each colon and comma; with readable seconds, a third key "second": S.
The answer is {"hour": 12, "minute": 44}
